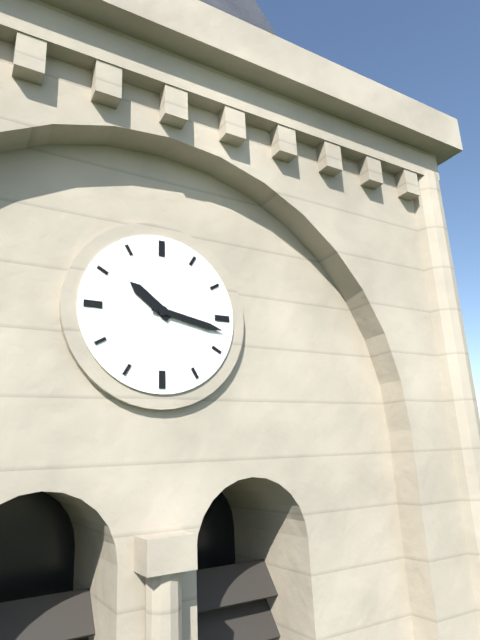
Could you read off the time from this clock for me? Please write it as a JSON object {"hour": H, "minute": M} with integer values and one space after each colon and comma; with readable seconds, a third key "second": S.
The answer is {"hour": 10, "minute": 17}
